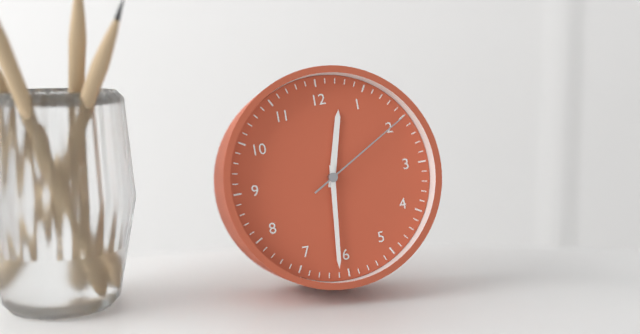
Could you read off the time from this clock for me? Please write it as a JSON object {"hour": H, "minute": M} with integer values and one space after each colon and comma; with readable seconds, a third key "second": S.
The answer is {"hour": 12, "minute": 31, "second": 10}
